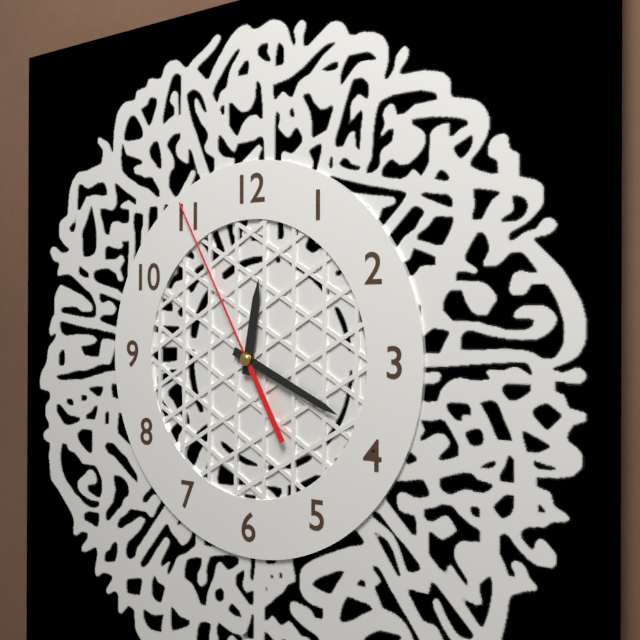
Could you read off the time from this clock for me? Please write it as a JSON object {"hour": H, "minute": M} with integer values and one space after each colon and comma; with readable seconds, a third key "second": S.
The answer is {"hour": 12, "minute": 19, "second": 55}
